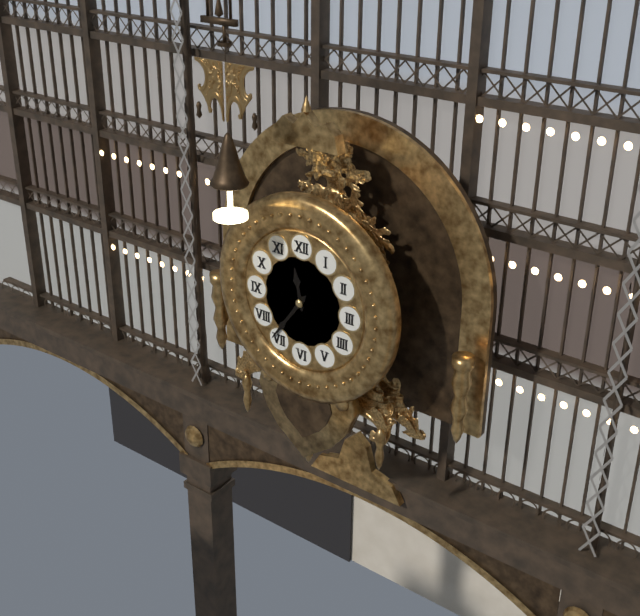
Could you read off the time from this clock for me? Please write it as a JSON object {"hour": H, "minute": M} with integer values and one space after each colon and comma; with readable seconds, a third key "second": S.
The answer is {"hour": 11, "minute": 36}
